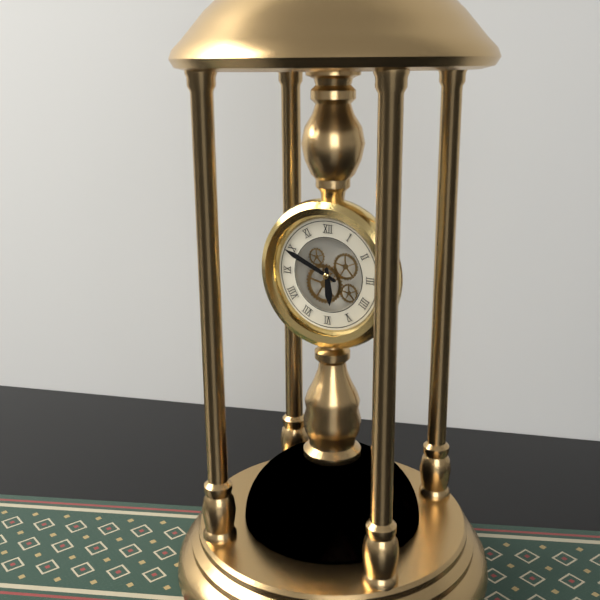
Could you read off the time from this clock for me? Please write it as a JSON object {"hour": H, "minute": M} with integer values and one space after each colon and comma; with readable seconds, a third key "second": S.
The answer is {"hour": 5, "minute": 49}
